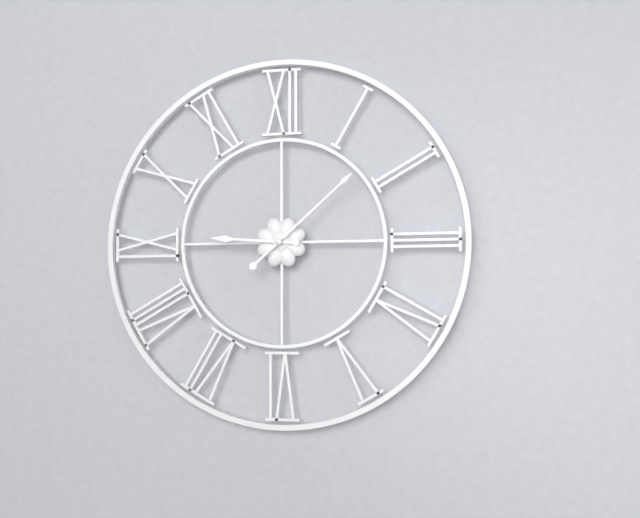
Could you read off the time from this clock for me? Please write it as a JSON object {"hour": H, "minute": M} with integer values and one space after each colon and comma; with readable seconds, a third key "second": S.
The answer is {"hour": 9, "minute": 8}
